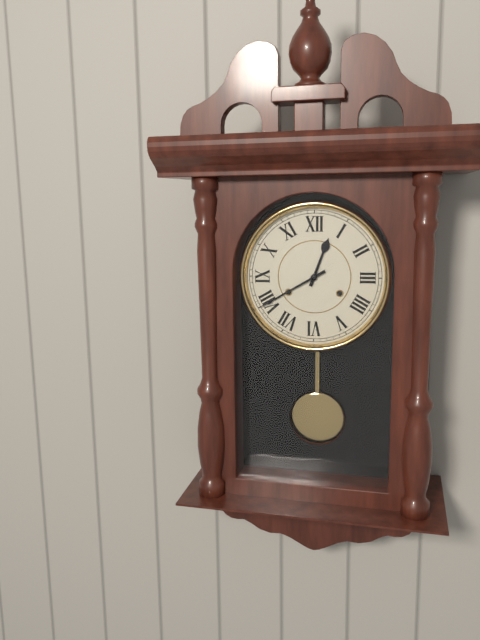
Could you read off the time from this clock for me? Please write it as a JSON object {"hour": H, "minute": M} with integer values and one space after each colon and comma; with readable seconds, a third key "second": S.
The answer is {"hour": 12, "minute": 40}
